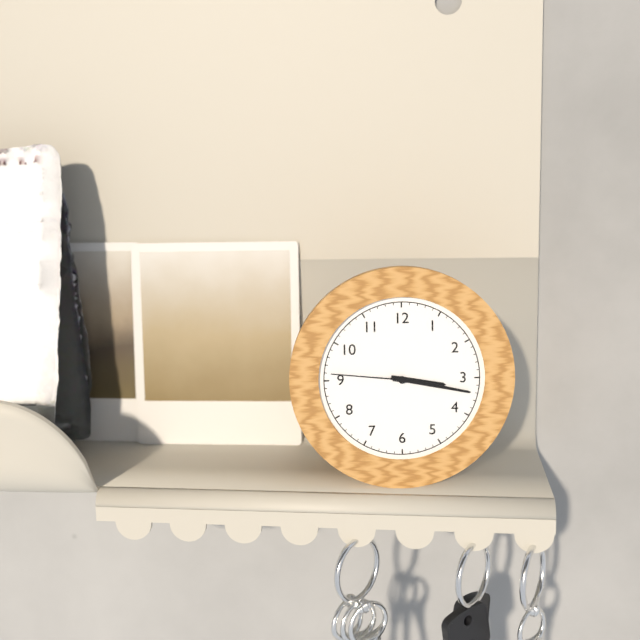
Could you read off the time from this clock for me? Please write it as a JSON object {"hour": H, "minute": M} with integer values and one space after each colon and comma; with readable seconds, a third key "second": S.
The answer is {"hour": 3, "minute": 17, "second": 46}
